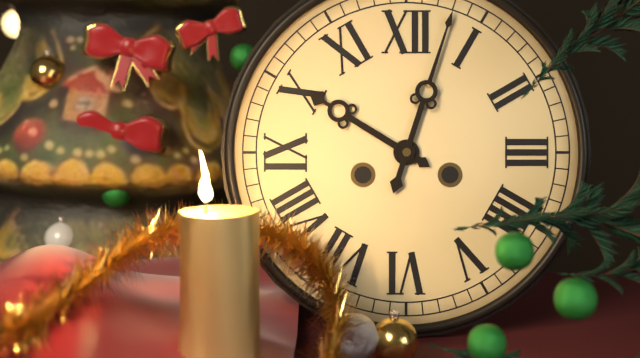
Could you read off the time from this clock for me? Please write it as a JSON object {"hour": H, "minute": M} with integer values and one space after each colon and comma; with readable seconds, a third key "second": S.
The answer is {"hour": 10, "minute": 3}
